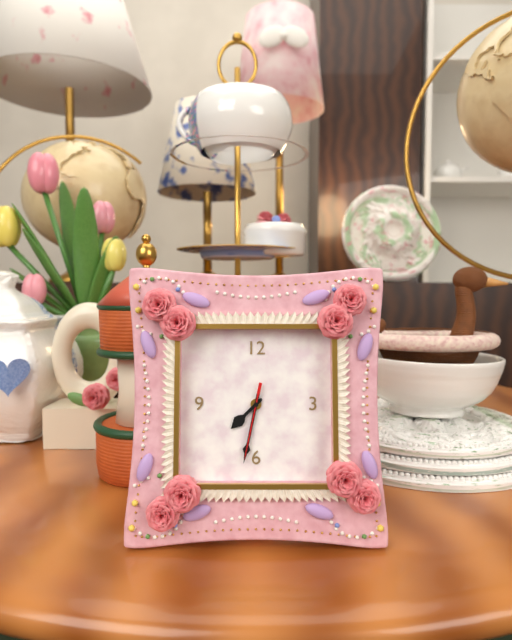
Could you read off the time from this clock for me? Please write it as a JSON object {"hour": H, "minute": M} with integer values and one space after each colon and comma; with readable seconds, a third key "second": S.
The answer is {"hour": 7, "minute": 32, "second": 32}
